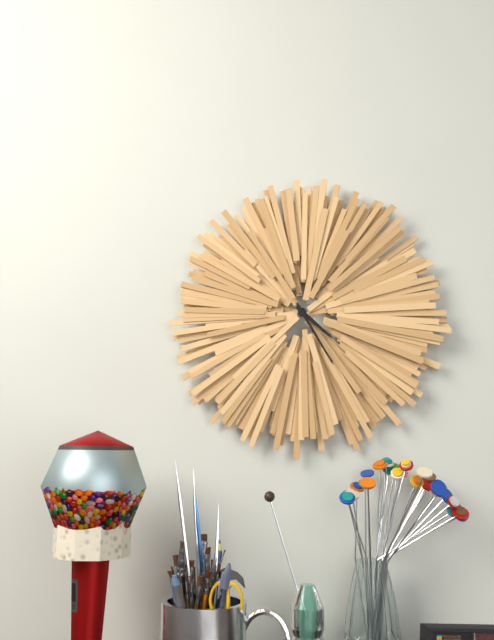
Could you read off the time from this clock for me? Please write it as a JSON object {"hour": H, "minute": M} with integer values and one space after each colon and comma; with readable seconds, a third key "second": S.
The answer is {"hour": 4, "minute": 25}
